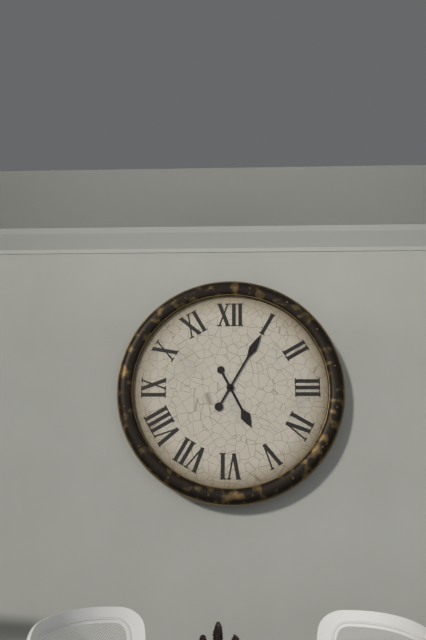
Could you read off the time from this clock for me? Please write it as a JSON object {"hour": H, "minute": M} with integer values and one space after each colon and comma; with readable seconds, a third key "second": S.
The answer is {"hour": 5, "minute": 5}
